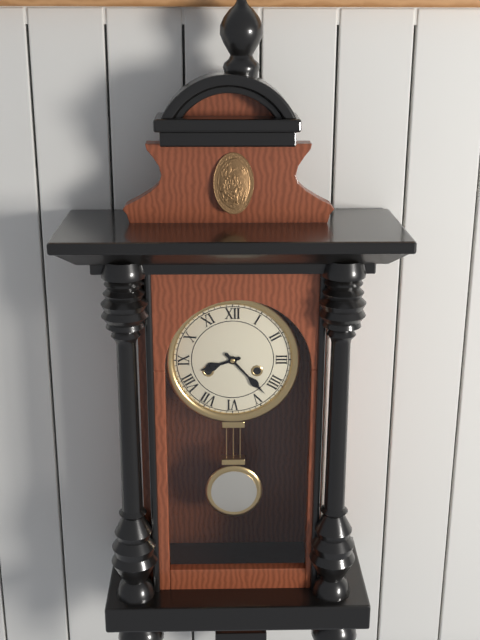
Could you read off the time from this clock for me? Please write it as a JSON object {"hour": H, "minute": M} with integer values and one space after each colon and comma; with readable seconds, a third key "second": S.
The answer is {"hour": 8, "minute": 23}
